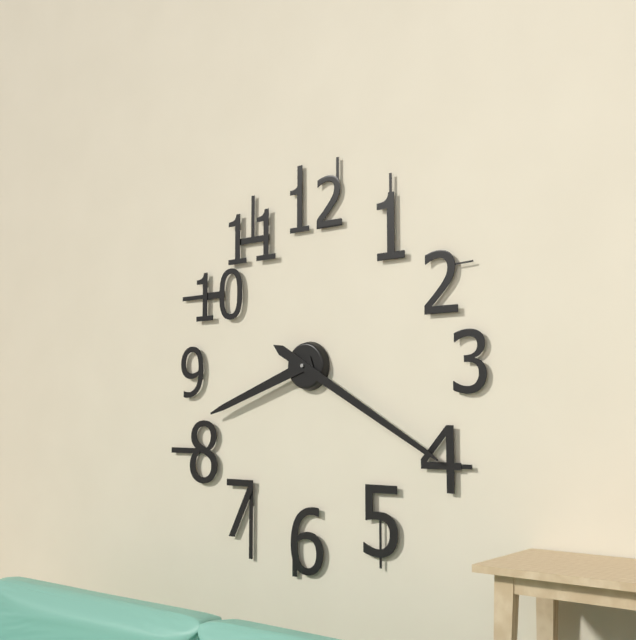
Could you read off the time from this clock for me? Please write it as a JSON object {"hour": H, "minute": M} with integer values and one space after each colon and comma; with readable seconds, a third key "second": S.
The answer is {"hour": 8, "minute": 20}
